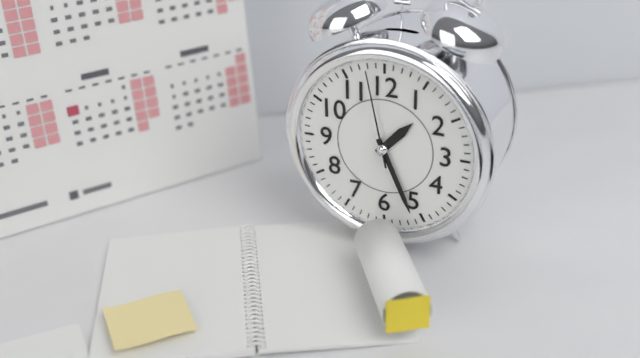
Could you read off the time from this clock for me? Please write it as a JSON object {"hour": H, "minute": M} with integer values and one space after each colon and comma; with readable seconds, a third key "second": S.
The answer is {"hour": 1, "minute": 26, "second": 58}
